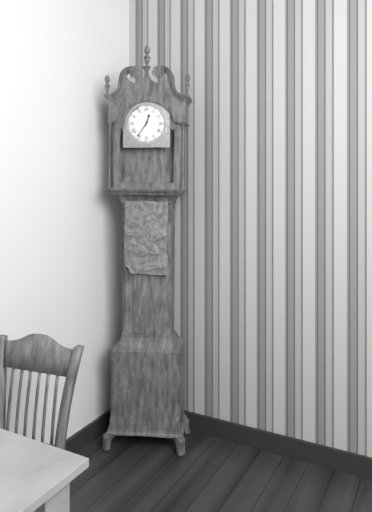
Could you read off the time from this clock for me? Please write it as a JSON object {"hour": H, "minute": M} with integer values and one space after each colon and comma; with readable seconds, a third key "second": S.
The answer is {"hour": 12, "minute": 36}
